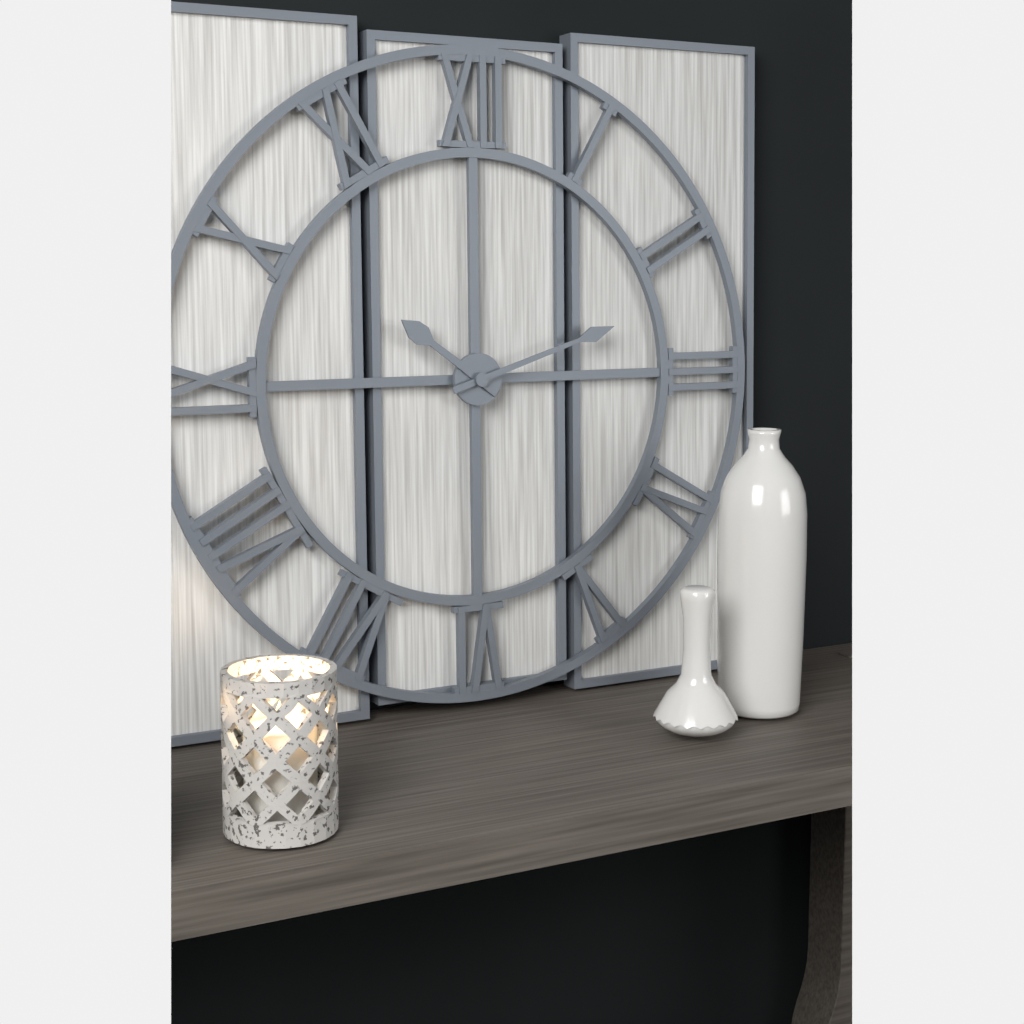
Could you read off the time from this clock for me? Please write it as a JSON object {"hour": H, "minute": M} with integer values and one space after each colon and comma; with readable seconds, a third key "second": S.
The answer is {"hour": 10, "minute": 12}
